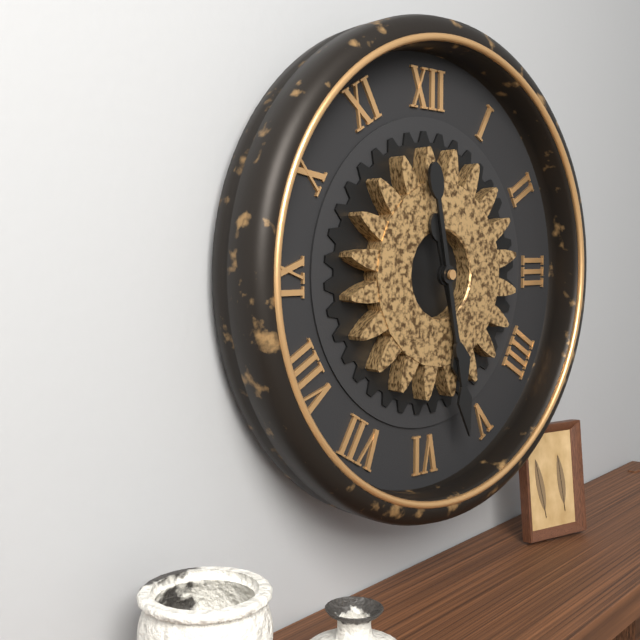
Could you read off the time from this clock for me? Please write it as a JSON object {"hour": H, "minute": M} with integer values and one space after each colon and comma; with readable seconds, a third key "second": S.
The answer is {"hour": 5, "minute": 28}
